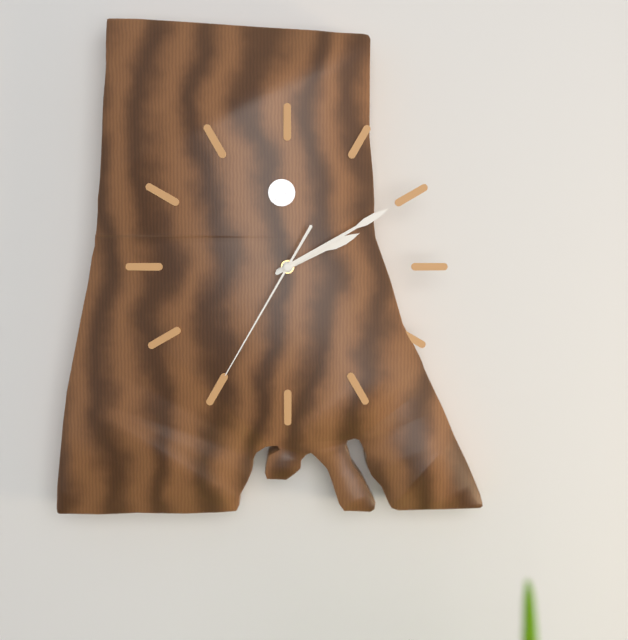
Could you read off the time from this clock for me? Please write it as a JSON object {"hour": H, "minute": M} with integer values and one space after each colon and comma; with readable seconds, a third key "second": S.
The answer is {"hour": 2, "minute": 10, "second": 35}
